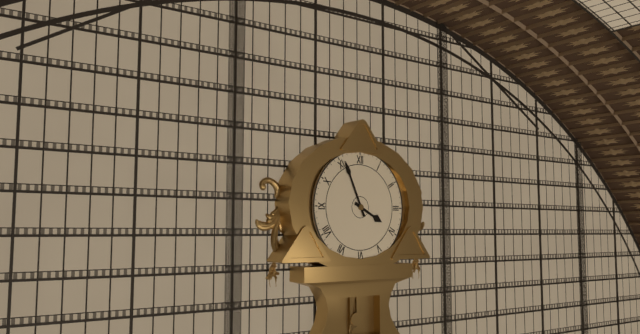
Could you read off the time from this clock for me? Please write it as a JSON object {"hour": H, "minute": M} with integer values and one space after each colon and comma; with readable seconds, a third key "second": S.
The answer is {"hour": 3, "minute": 56}
